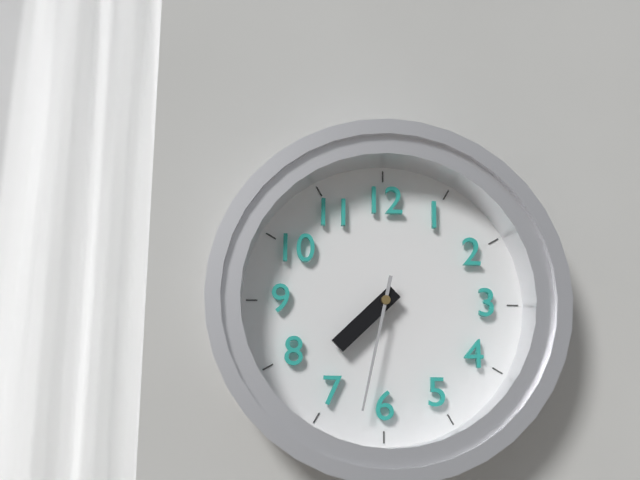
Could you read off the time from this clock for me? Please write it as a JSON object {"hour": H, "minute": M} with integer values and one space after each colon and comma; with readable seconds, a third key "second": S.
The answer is {"hour": 7, "minute": 32}
